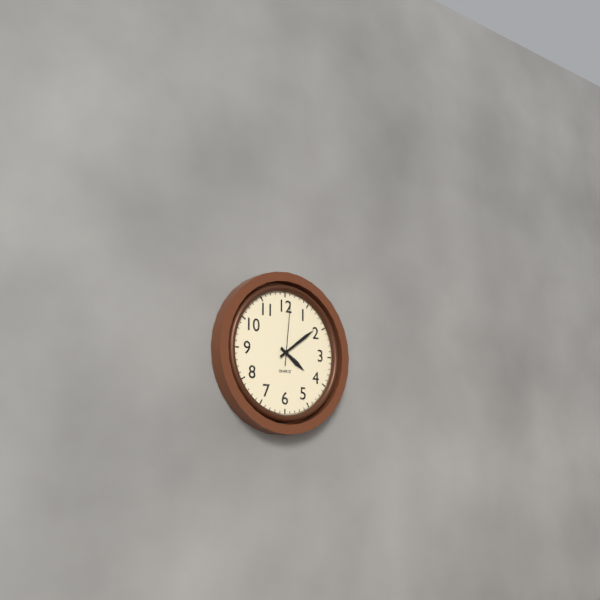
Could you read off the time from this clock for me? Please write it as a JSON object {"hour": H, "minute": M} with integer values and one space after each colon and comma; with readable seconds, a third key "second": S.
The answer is {"hour": 4, "minute": 9, "second": 1}
